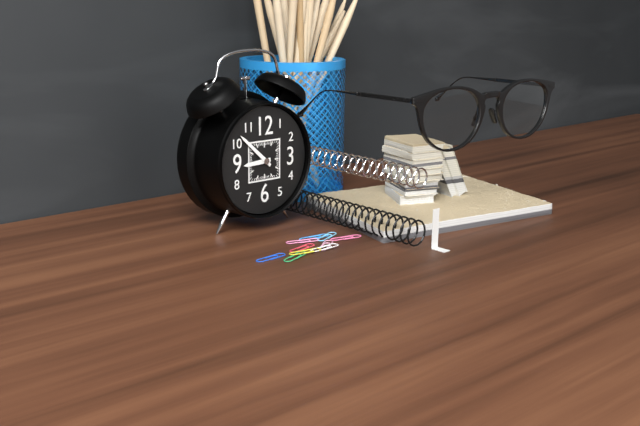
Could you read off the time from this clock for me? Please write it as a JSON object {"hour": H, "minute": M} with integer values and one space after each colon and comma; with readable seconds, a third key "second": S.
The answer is {"hour": 8, "minute": 52}
